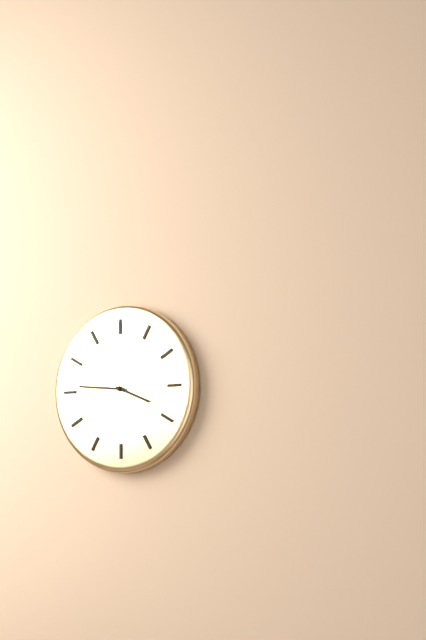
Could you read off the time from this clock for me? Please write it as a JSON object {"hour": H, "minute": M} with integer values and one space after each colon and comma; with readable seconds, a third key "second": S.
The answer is {"hour": 3, "minute": 46}
